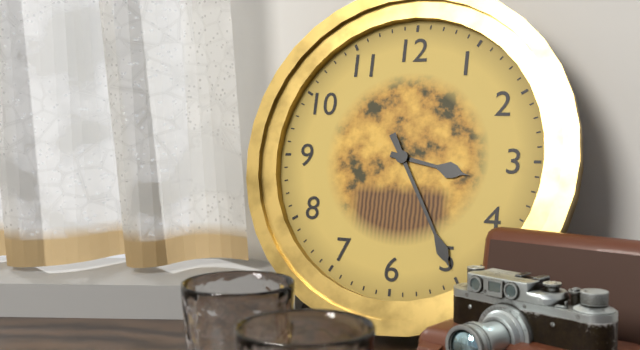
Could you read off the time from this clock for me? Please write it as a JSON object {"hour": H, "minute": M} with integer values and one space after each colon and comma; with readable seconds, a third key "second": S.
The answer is {"hour": 3, "minute": 25}
